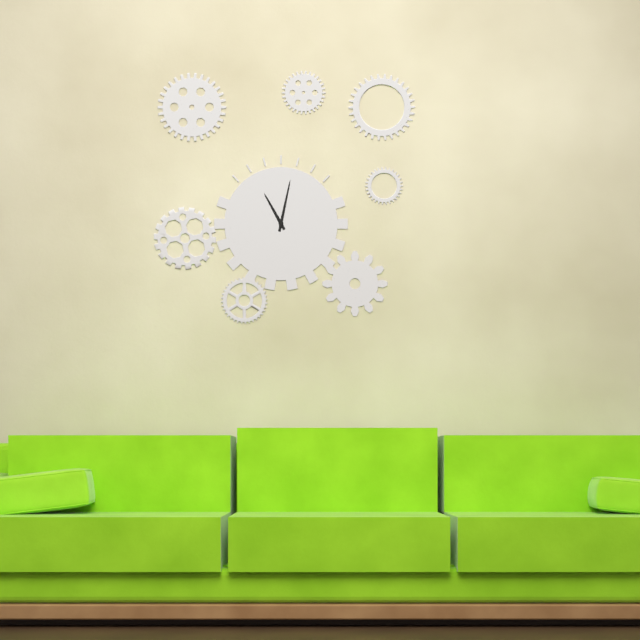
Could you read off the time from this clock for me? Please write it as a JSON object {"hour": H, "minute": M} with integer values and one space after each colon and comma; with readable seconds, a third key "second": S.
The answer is {"hour": 11, "minute": 2}
